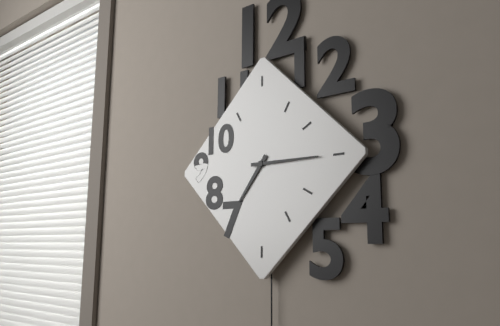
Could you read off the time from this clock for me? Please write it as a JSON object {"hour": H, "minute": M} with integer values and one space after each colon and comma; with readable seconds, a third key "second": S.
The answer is {"hour": 7, "minute": 15}
